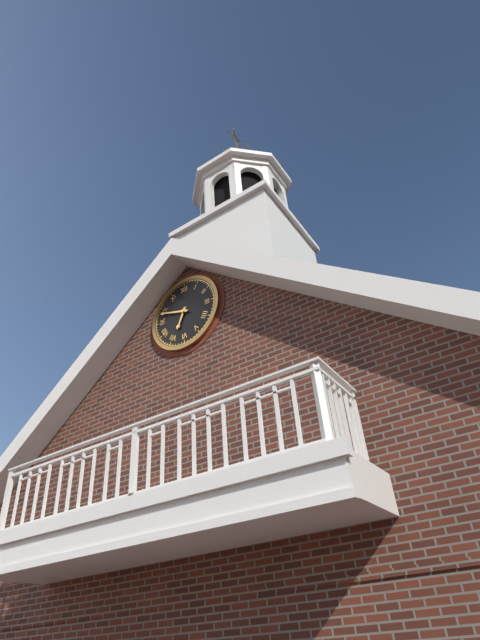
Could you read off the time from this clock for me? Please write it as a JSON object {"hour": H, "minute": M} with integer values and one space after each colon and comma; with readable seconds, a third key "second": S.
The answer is {"hour": 6, "minute": 48}
